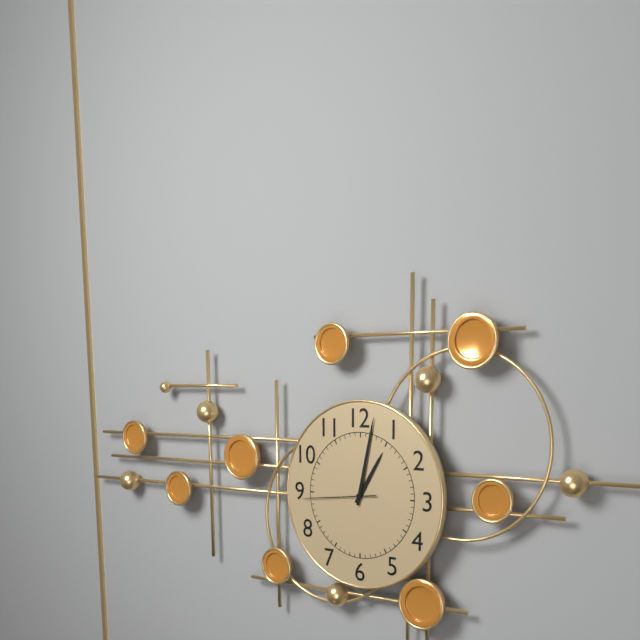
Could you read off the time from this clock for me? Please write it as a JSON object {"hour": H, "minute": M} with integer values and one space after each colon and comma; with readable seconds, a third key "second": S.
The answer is {"hour": 1, "minute": 2, "second": 44}
